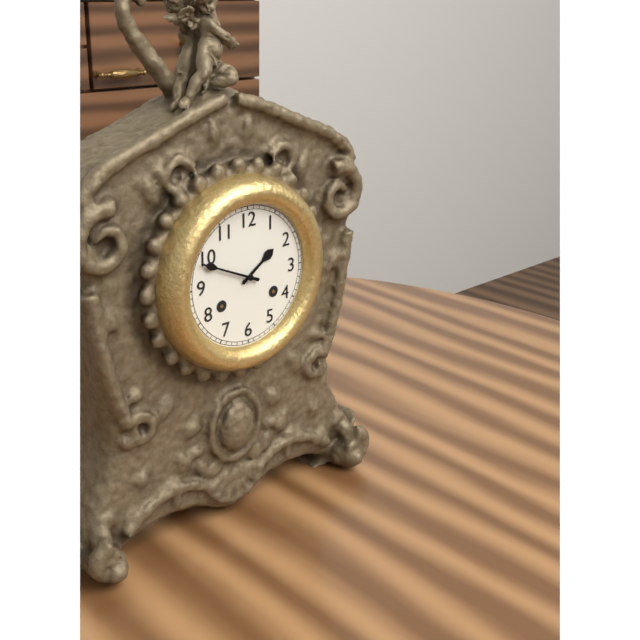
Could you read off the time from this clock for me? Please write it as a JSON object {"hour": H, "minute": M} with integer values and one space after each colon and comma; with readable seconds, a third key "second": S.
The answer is {"hour": 1, "minute": 49}
